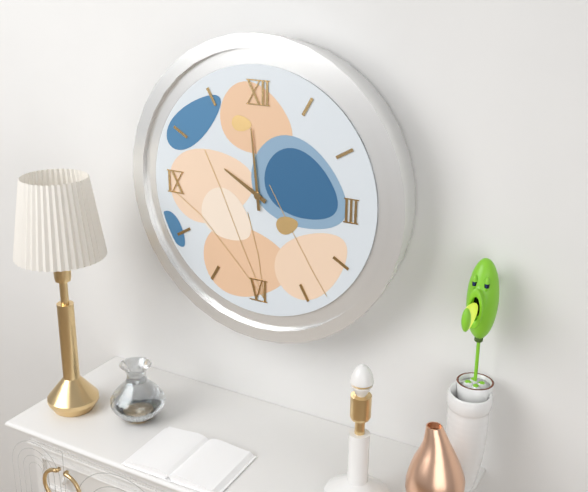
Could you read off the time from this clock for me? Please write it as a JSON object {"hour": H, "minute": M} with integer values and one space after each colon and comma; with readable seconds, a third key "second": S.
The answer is {"hour": 9, "minute": 59}
